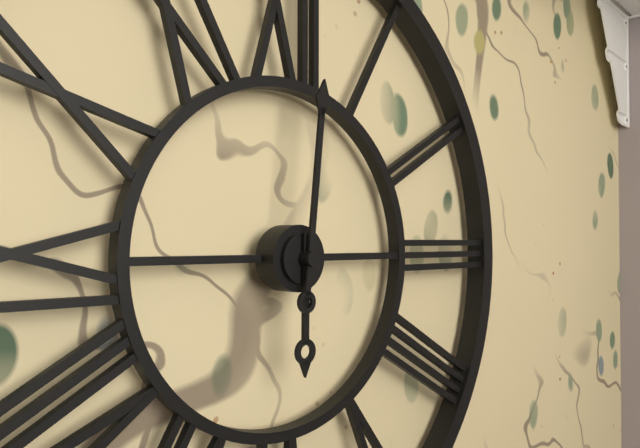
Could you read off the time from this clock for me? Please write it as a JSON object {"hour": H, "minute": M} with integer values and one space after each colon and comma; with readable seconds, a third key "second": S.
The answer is {"hour": 6, "minute": 1}
